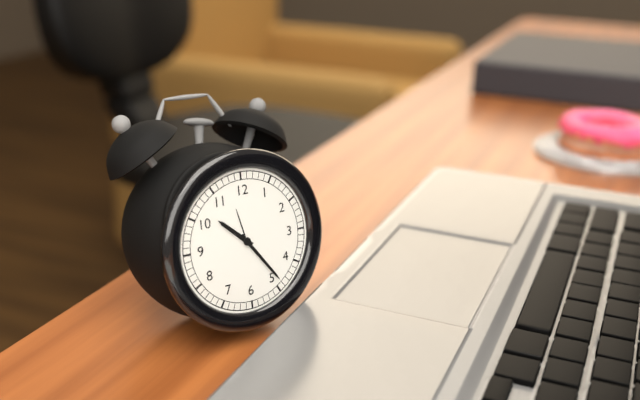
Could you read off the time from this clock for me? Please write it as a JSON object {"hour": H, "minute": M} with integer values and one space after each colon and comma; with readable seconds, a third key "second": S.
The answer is {"hour": 10, "minute": 24}
